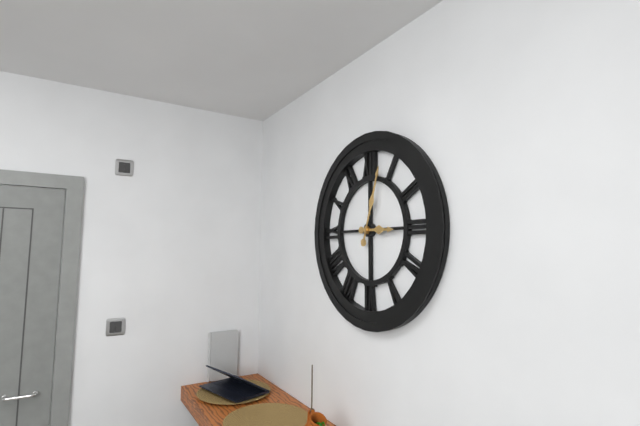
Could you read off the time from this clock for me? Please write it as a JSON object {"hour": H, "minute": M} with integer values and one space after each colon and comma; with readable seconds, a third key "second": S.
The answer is {"hour": 3, "minute": 3}
